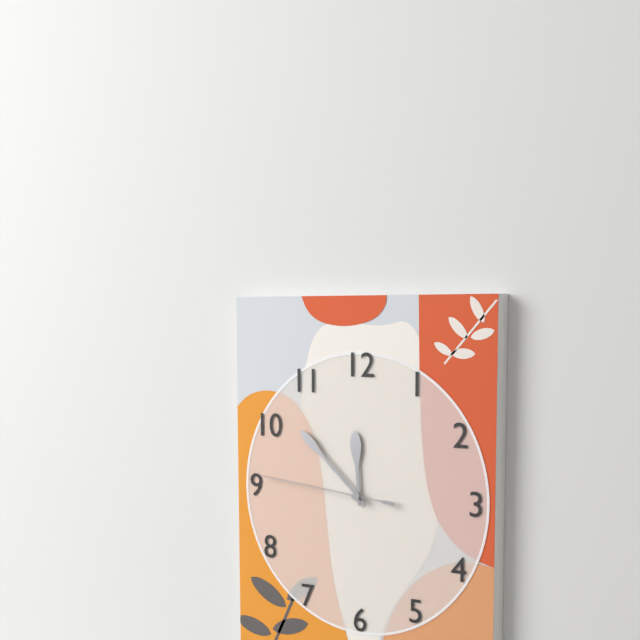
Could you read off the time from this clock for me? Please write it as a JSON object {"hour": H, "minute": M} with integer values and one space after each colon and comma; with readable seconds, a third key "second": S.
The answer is {"hour": 11, "minute": 52, "second": 46}
